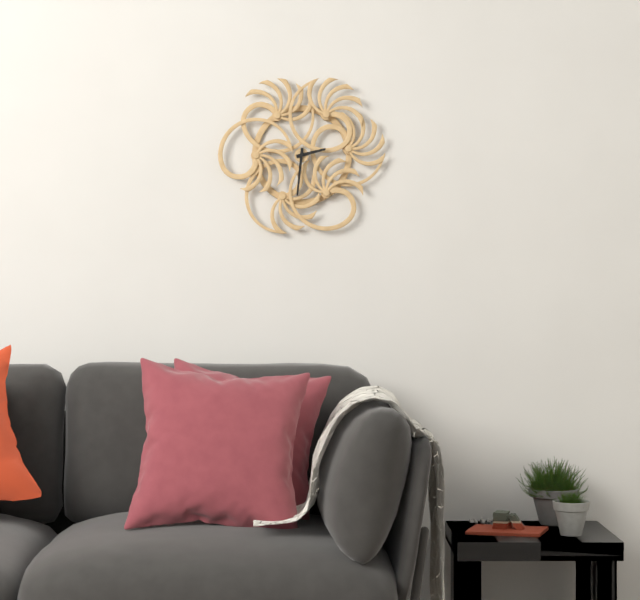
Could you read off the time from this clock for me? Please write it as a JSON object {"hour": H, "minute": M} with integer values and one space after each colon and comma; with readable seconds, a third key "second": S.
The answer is {"hour": 2, "minute": 31}
